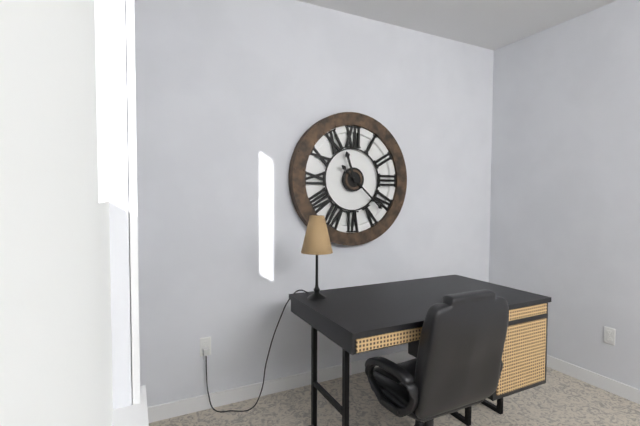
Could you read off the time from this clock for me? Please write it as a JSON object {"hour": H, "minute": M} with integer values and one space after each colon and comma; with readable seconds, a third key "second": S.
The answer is {"hour": 11, "minute": 22}
